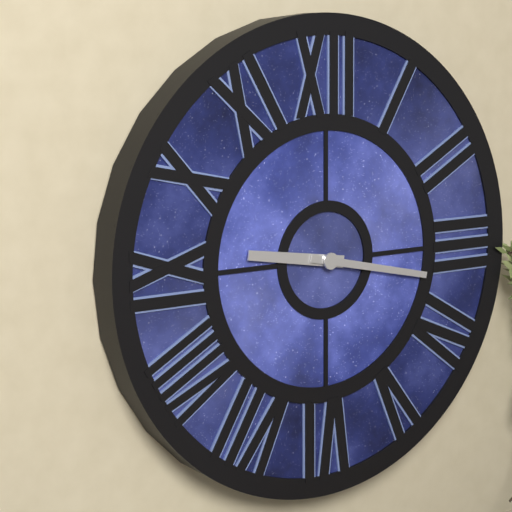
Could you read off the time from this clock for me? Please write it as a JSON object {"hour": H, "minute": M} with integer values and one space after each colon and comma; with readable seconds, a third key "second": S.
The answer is {"hour": 9, "minute": 17}
